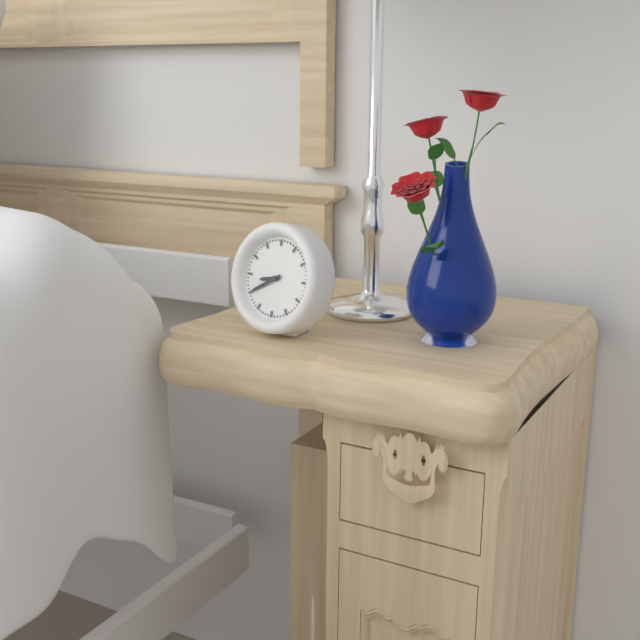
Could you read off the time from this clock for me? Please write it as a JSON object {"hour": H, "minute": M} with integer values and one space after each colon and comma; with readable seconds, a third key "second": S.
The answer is {"hour": 8, "minute": 40}
